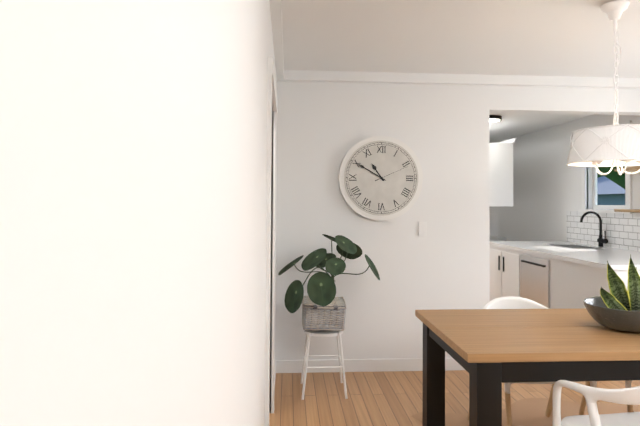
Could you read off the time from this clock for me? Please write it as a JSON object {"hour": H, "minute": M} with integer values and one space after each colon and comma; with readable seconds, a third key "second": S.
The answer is {"hour": 10, "minute": 50}
